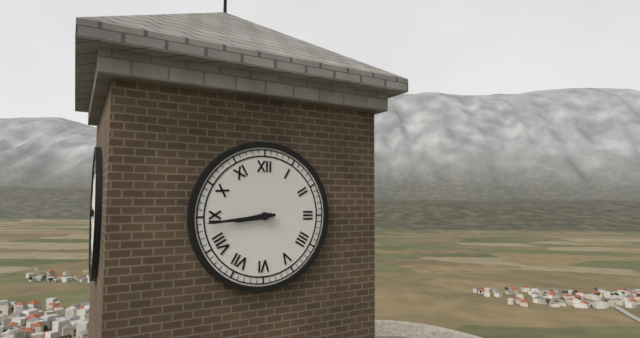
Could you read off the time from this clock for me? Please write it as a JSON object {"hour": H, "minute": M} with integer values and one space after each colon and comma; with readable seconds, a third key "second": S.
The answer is {"hour": 8, "minute": 44}
